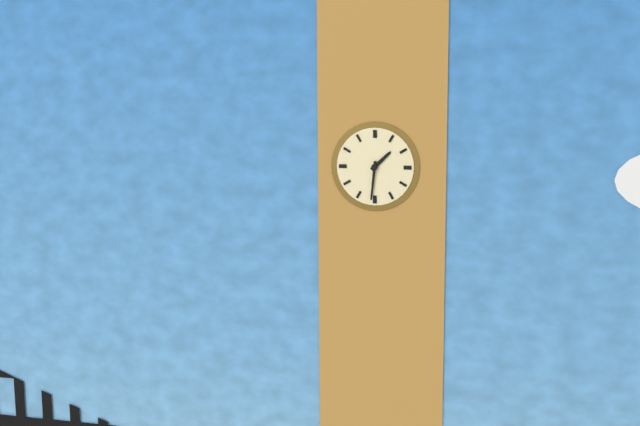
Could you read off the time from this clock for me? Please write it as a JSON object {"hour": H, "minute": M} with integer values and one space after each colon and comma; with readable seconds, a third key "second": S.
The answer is {"hour": 1, "minute": 31}
